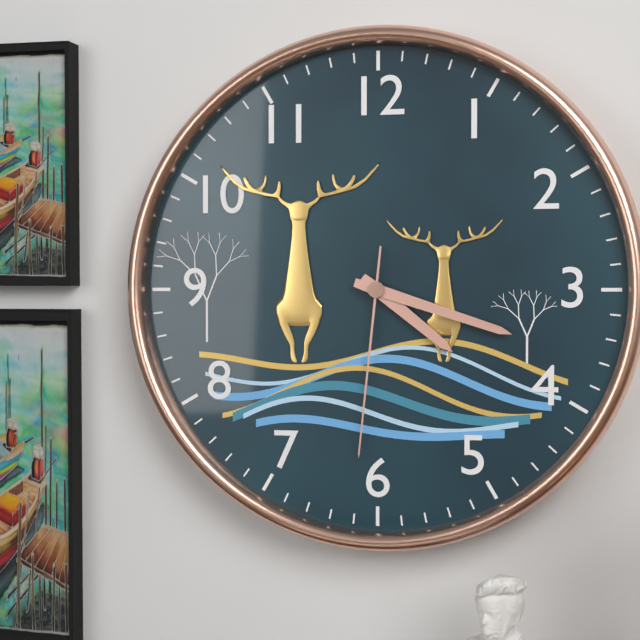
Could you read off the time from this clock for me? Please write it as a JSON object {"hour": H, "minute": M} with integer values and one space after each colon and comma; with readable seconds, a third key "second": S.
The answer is {"hour": 4, "minute": 18, "second": 31}
